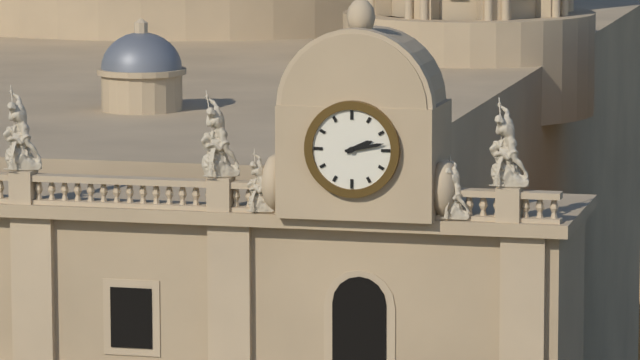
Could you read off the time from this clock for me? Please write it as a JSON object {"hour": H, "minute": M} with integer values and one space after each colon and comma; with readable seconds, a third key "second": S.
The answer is {"hour": 2, "minute": 13}
